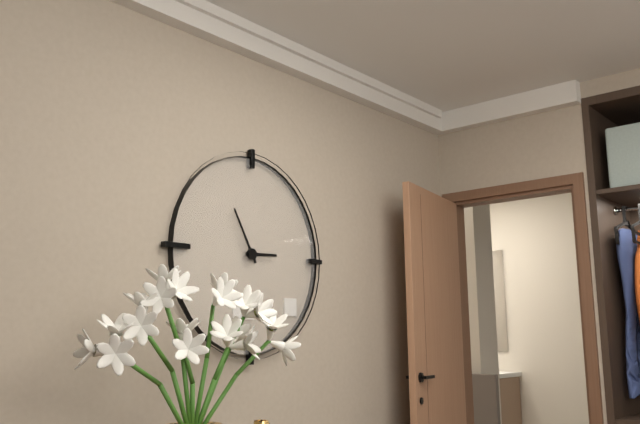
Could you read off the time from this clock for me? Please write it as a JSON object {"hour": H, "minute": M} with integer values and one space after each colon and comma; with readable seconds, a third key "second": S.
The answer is {"hour": 2, "minute": 55}
